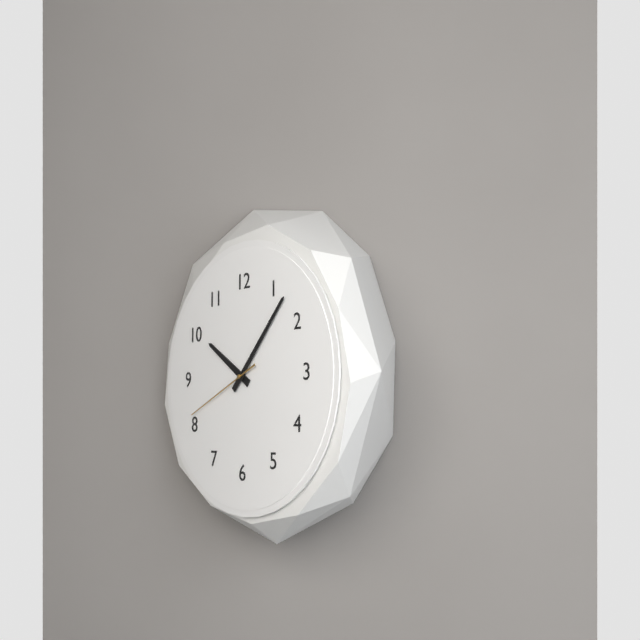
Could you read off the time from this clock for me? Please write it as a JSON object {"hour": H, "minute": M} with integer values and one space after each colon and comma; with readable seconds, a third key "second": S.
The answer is {"hour": 10, "minute": 7, "second": 41}
